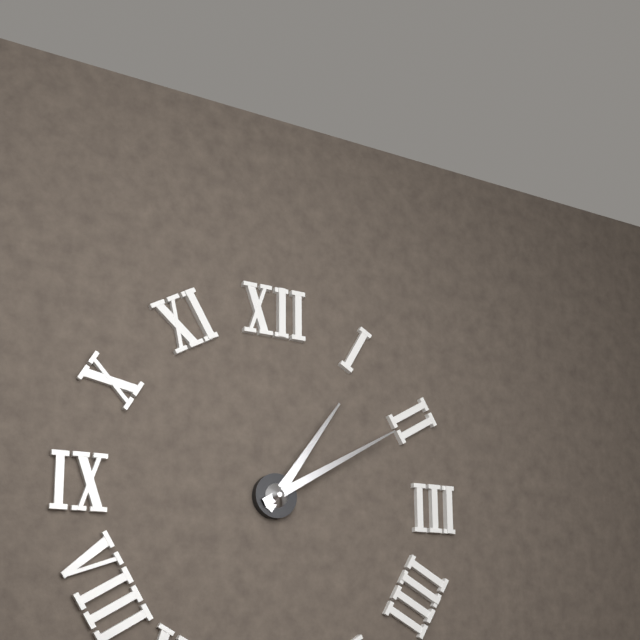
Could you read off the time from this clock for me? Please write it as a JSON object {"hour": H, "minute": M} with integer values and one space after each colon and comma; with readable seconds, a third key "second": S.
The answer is {"hour": 1, "minute": 10}
